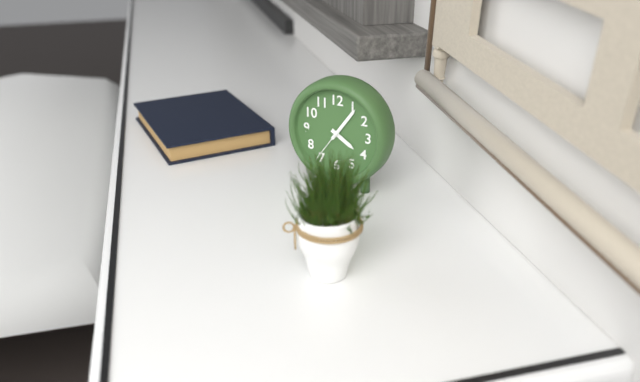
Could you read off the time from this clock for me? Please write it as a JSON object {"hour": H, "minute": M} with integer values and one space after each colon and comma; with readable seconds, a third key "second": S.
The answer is {"hour": 4, "minute": 6}
